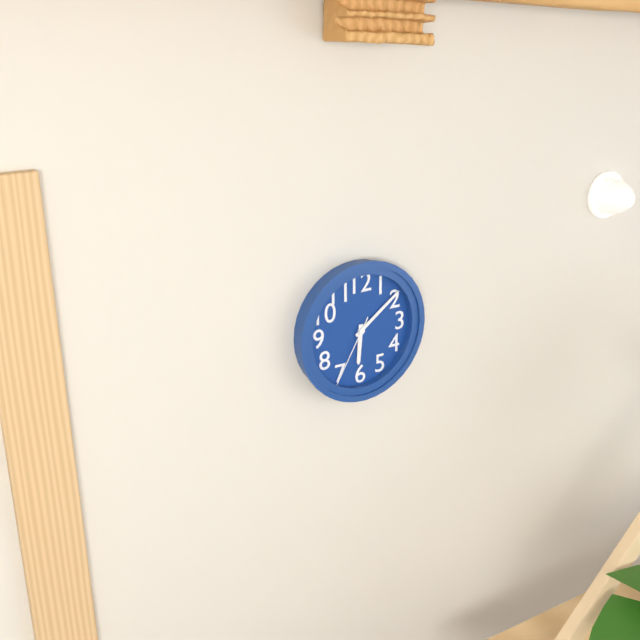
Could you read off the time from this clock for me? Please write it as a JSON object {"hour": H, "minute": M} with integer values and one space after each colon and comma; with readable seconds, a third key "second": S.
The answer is {"hour": 6, "minute": 9, "second": 35}
